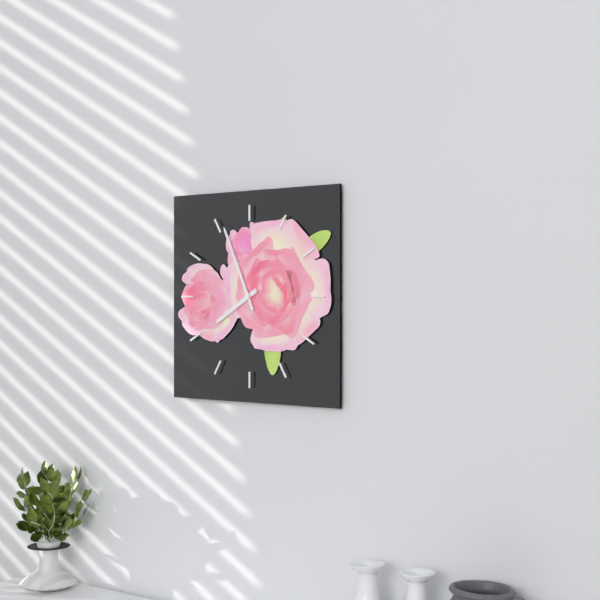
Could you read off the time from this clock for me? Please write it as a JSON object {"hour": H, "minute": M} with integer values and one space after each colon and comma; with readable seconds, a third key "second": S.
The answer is {"hour": 7, "minute": 56}
